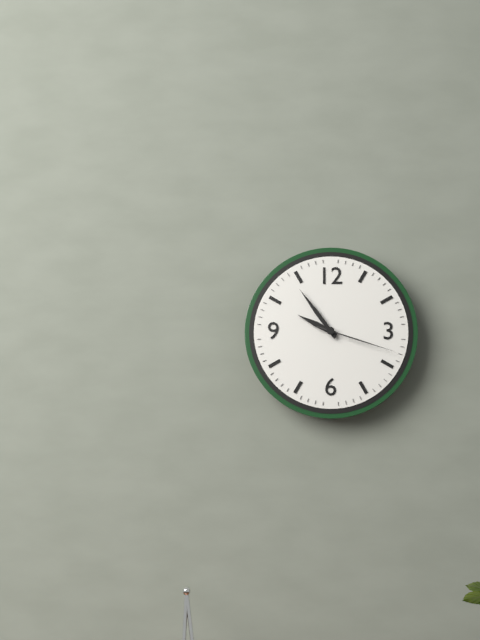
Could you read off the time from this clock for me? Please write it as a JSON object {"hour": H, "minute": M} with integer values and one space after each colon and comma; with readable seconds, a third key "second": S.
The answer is {"hour": 9, "minute": 54, "second": 18}
